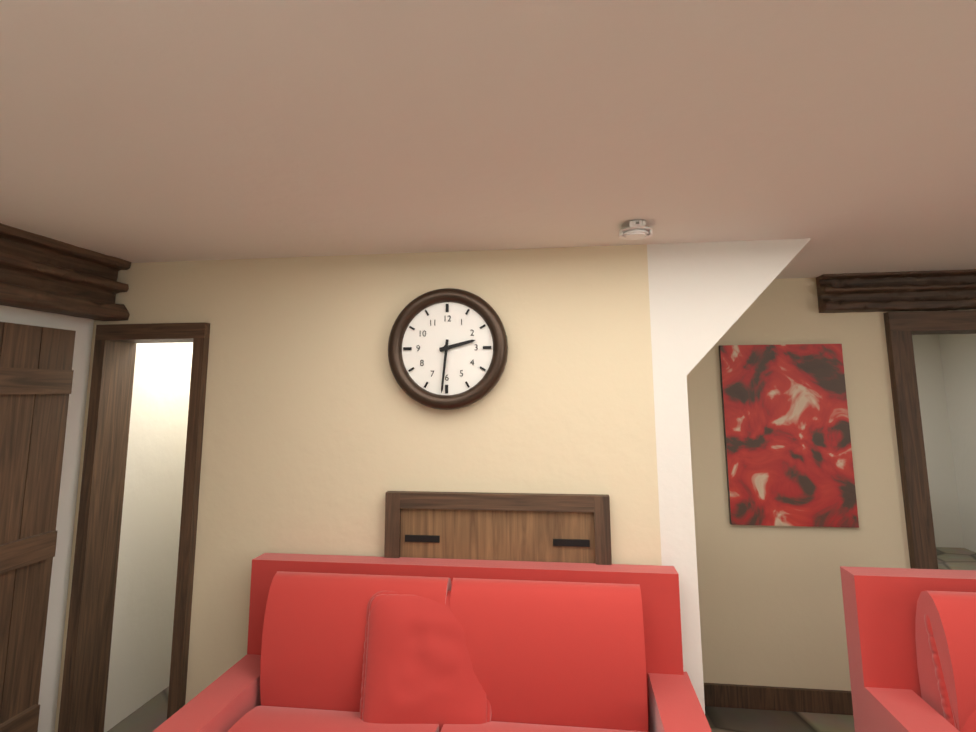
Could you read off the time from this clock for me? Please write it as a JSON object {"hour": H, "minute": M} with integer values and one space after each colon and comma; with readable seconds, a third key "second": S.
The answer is {"hour": 2, "minute": 31}
